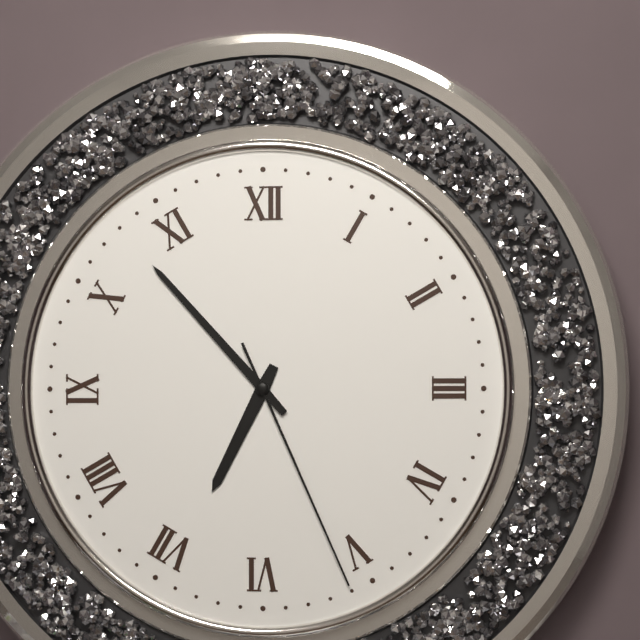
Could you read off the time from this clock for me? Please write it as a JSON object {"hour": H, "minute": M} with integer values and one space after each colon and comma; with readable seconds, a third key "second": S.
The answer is {"hour": 6, "minute": 53, "second": 26}
